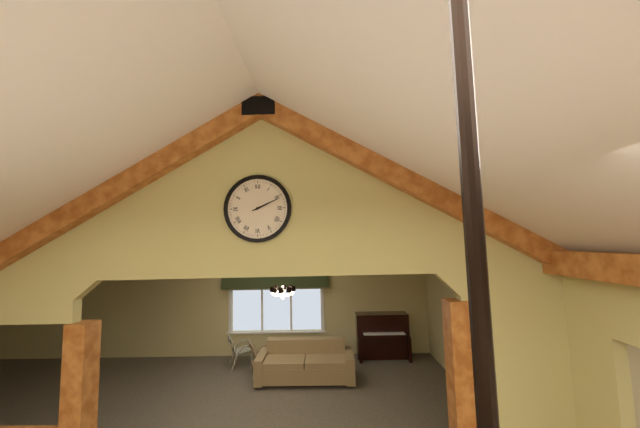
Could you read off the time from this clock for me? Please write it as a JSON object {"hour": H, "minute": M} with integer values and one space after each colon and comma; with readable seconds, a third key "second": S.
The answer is {"hour": 2, "minute": 11}
